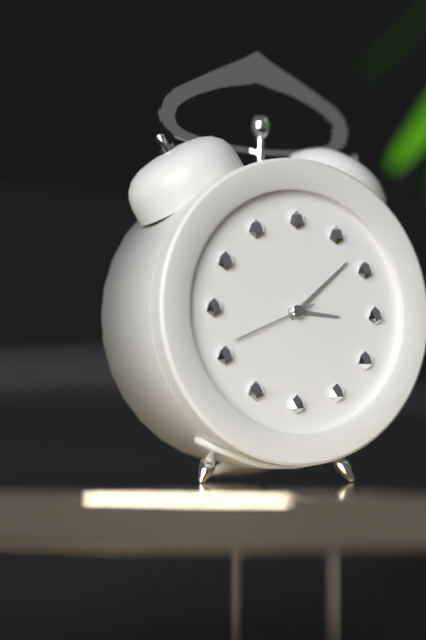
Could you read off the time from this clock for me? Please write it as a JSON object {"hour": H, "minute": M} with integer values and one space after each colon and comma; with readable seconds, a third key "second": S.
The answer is {"hour": 3, "minute": 8, "second": 41}
